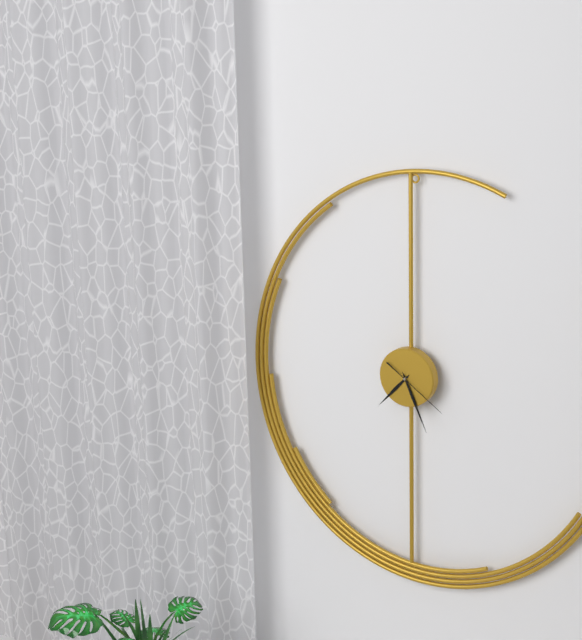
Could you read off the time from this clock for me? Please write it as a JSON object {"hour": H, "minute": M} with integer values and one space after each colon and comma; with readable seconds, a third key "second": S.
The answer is {"hour": 7, "minute": 26, "second": 21}
